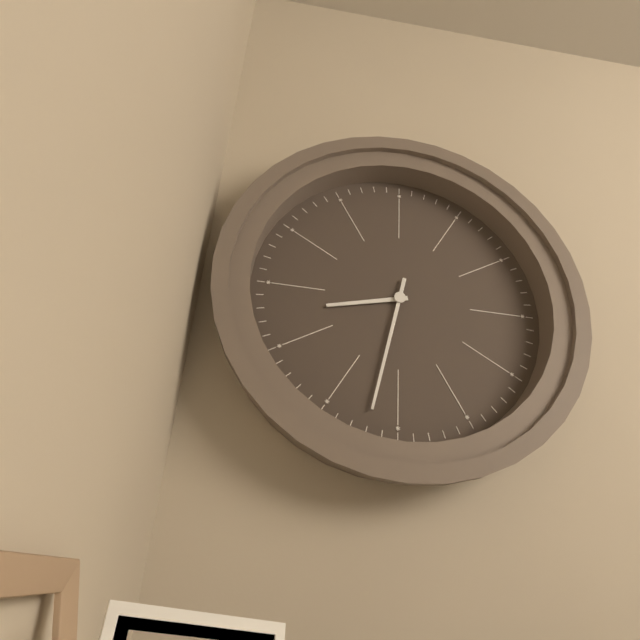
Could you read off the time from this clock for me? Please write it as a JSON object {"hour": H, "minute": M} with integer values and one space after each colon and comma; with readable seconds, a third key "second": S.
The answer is {"hour": 8, "minute": 32}
